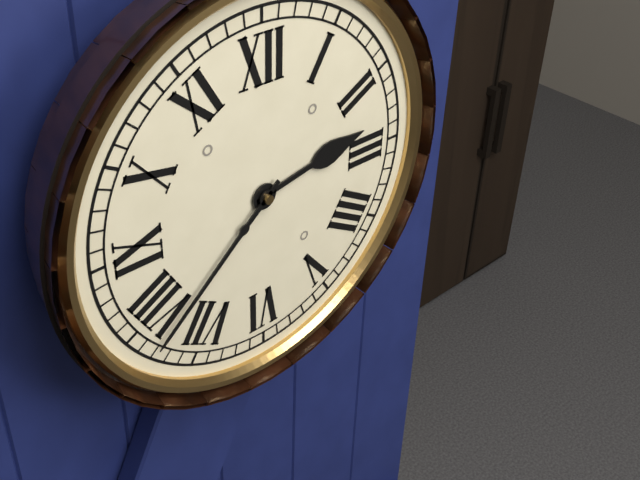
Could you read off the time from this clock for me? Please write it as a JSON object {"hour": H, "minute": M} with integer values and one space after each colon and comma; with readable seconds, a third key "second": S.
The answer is {"hour": 2, "minute": 38}
